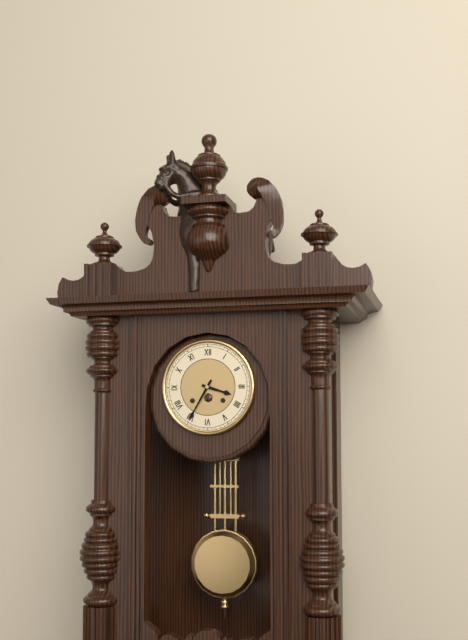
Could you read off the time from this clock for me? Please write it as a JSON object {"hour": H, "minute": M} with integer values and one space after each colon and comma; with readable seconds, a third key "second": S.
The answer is {"hour": 3, "minute": 35}
